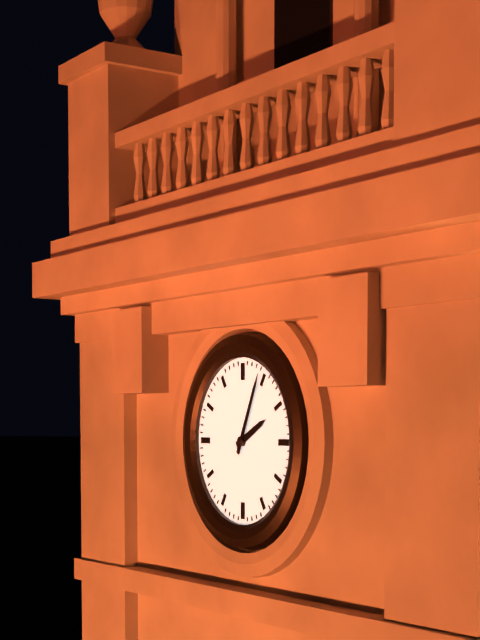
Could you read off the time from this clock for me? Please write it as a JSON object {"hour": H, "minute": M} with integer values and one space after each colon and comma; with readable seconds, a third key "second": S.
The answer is {"hour": 2, "minute": 4}
